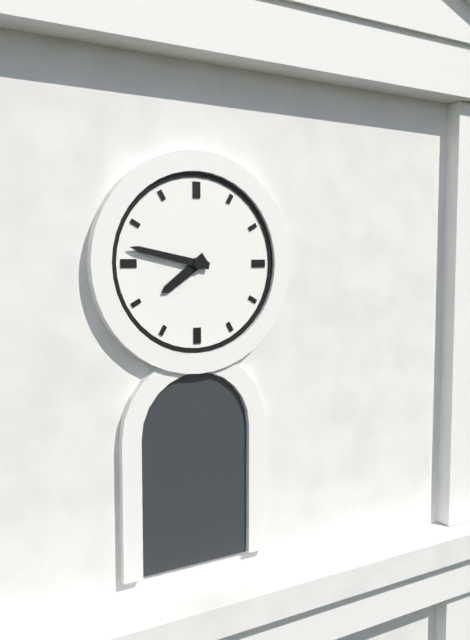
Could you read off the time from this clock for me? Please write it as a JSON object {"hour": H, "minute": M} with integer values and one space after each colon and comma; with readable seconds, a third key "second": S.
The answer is {"hour": 7, "minute": 47}
